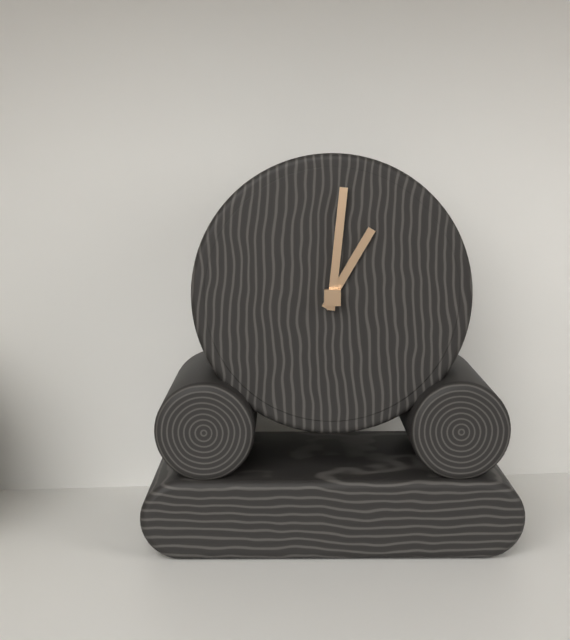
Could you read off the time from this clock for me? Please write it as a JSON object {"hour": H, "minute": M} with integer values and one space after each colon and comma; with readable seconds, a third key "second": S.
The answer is {"hour": 1, "minute": 1}
